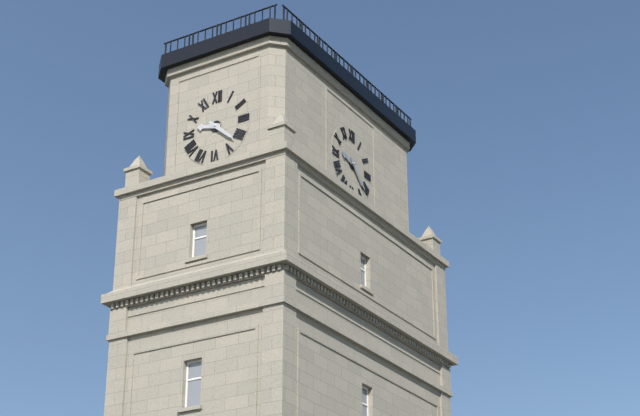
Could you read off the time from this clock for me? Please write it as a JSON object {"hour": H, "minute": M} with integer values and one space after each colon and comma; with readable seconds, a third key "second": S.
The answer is {"hour": 9, "minute": 22}
